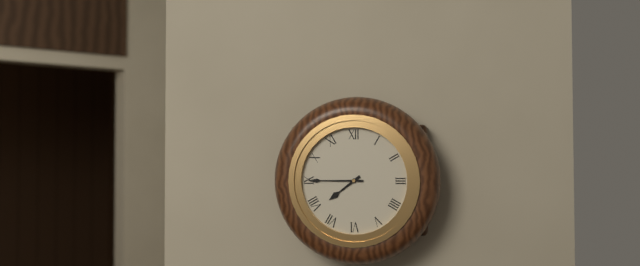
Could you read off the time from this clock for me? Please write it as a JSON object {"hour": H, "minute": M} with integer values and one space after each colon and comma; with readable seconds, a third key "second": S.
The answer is {"hour": 7, "minute": 45}
